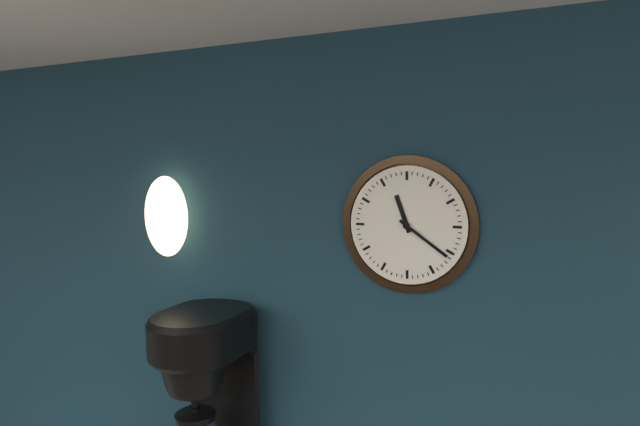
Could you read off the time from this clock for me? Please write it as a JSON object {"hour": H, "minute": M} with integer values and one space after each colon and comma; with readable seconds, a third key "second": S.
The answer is {"hour": 11, "minute": 21}
